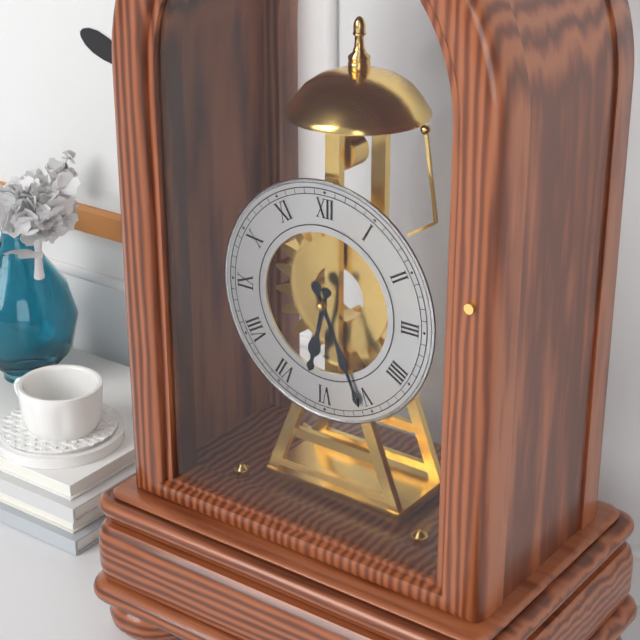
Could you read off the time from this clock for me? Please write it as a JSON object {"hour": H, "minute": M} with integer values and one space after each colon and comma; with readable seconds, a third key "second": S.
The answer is {"hour": 6, "minute": 26}
